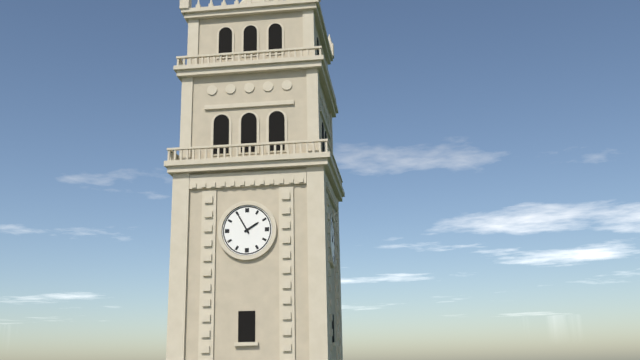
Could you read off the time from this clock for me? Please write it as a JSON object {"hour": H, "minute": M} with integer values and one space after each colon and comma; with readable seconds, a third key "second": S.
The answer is {"hour": 1, "minute": 55}
